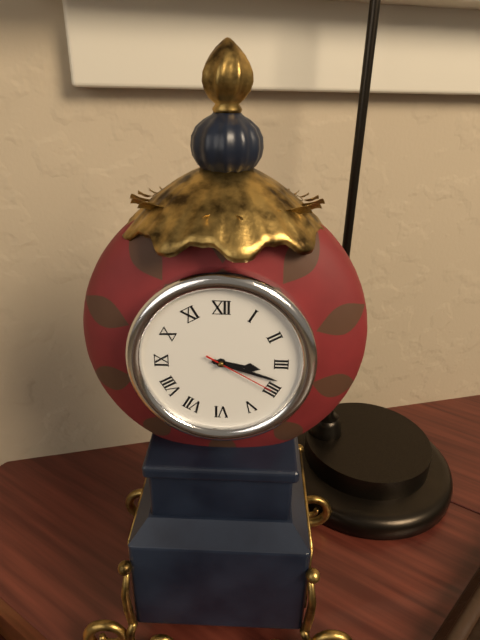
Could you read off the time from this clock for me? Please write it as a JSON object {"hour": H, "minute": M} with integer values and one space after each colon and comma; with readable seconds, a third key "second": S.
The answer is {"hour": 3, "minute": 18, "second": 20}
